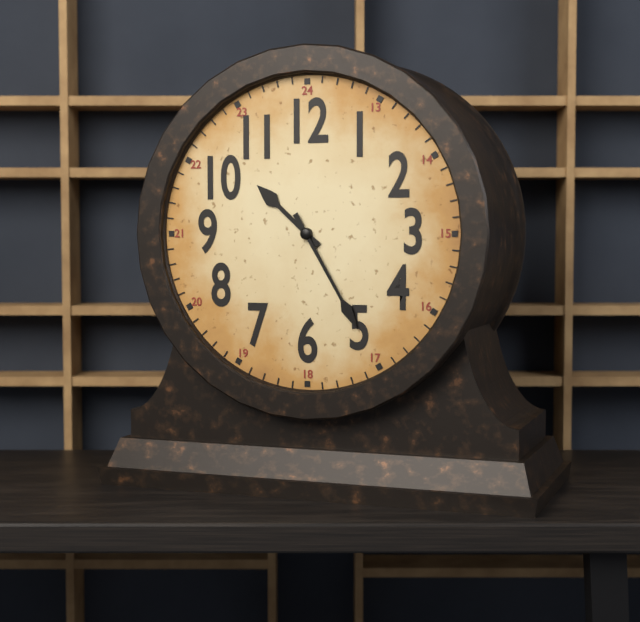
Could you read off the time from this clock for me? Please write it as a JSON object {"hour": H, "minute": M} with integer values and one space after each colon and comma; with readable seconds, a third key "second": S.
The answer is {"hour": 10, "minute": 25}
